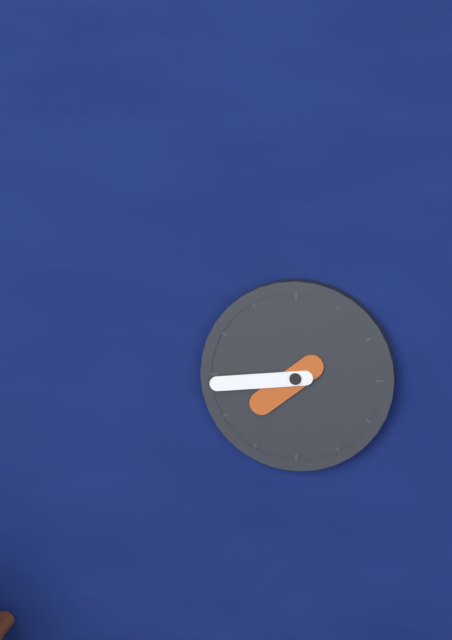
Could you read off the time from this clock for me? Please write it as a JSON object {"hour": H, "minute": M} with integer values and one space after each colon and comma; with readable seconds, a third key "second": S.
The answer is {"hour": 7, "minute": 44}
